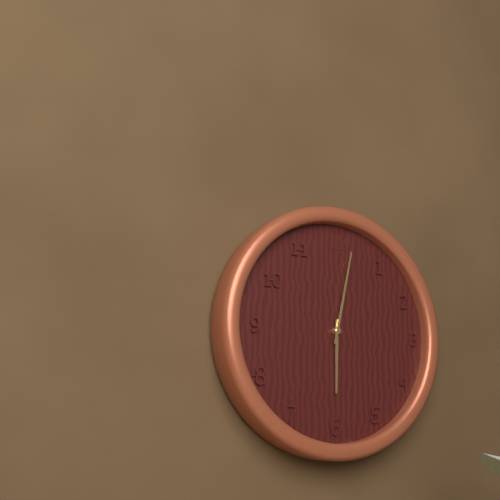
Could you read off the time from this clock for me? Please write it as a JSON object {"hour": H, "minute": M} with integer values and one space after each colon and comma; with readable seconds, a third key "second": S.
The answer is {"hour": 6, "minute": 2}
